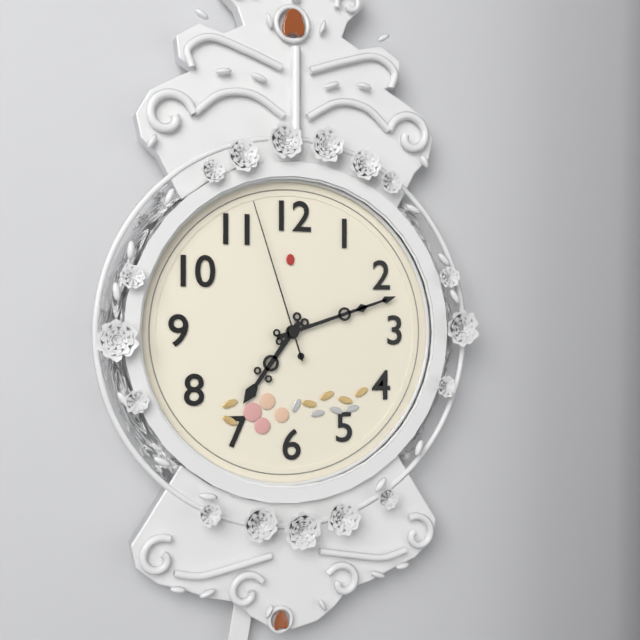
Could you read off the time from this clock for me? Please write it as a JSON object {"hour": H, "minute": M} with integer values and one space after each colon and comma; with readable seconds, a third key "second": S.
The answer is {"hour": 7, "minute": 12, "second": 57}
